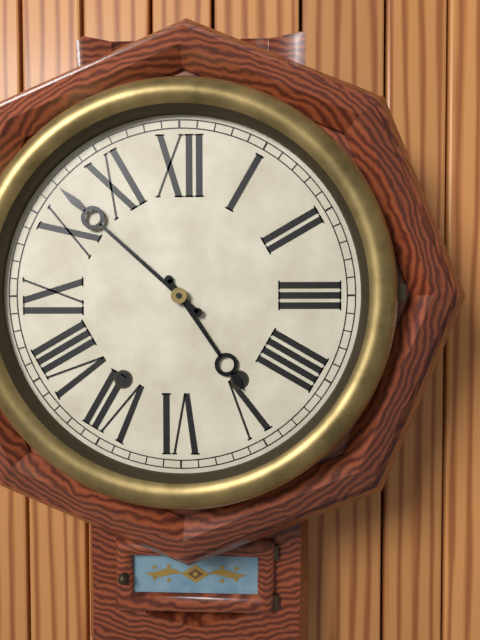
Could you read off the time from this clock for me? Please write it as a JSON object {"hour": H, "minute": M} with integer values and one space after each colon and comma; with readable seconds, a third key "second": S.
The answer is {"hour": 4, "minute": 52}
